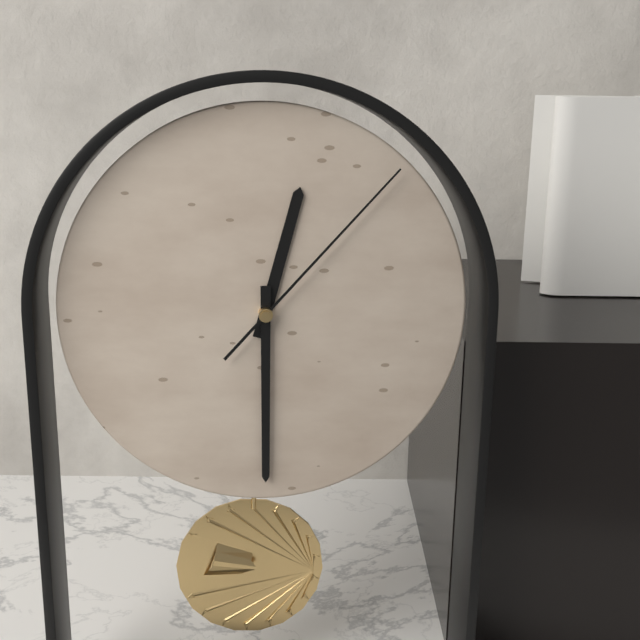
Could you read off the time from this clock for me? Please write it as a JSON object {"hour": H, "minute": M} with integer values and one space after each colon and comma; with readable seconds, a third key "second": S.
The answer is {"hour": 12, "minute": 30, "second": 7}
